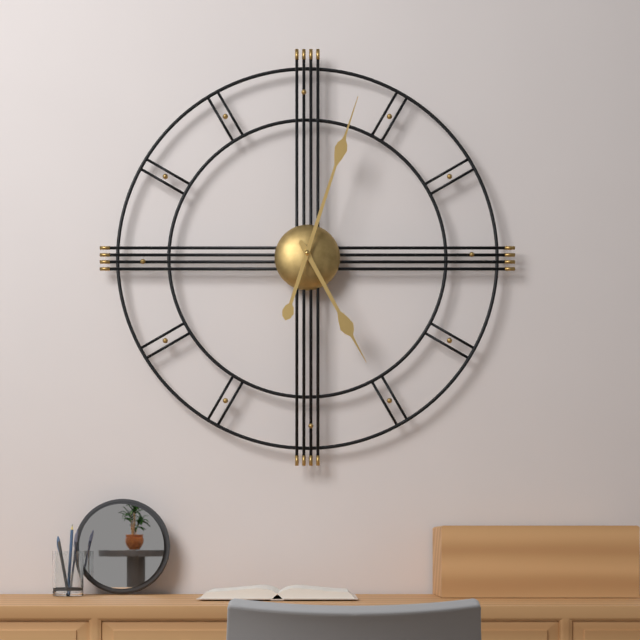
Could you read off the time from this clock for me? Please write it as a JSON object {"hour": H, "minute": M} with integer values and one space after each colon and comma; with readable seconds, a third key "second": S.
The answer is {"hour": 5, "minute": 3}
